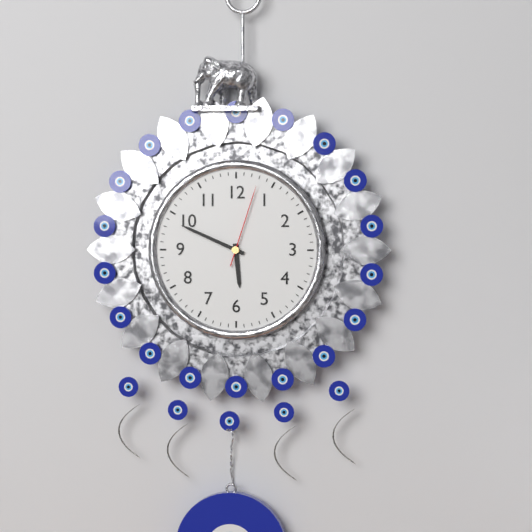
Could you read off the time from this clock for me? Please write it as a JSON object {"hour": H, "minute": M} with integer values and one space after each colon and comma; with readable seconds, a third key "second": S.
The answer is {"hour": 5, "minute": 49, "second": 3}
